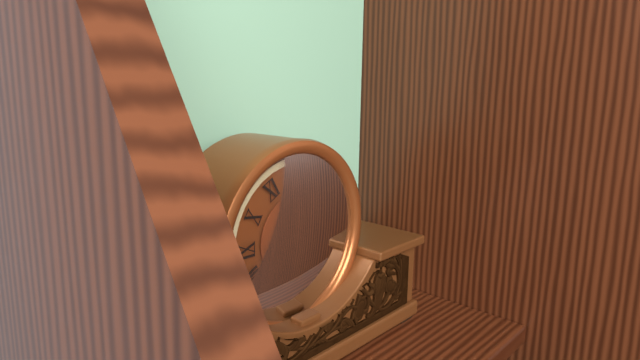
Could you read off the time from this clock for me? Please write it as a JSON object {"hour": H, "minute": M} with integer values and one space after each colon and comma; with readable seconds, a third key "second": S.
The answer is {"hour": 12, "minute": 22}
